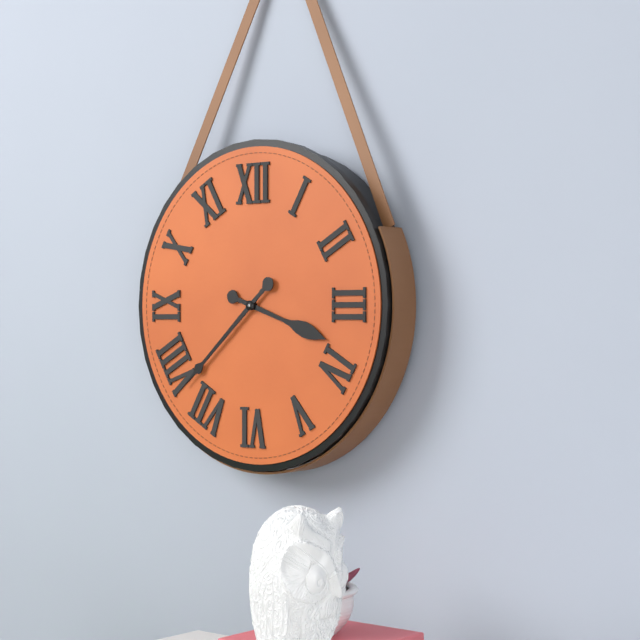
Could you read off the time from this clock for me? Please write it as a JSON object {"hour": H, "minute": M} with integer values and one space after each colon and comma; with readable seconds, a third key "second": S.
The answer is {"hour": 3, "minute": 38}
